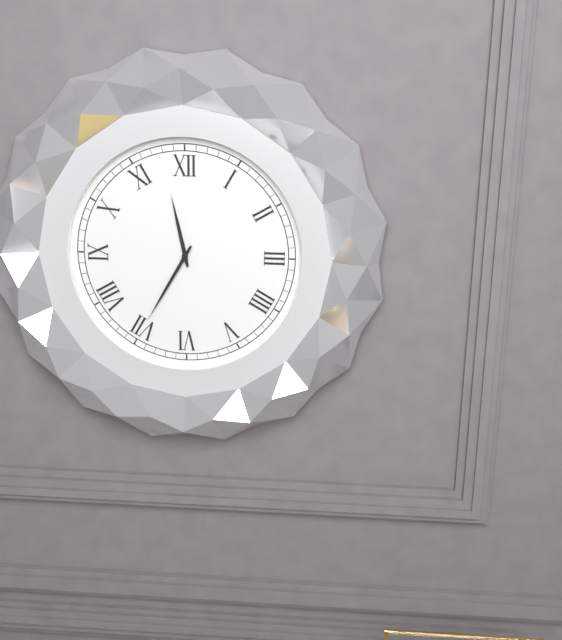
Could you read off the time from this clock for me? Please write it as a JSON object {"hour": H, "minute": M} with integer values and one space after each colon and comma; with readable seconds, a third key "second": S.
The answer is {"hour": 11, "minute": 35}
